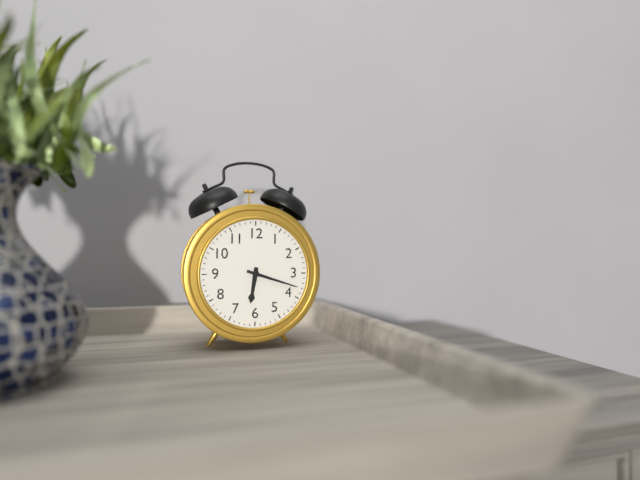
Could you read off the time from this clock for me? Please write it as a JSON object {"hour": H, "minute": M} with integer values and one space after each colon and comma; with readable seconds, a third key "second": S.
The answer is {"hour": 6, "minute": 18}
